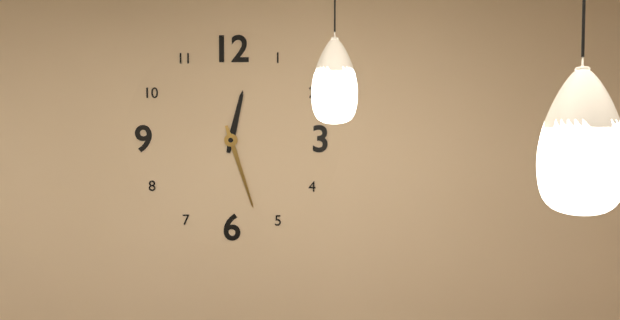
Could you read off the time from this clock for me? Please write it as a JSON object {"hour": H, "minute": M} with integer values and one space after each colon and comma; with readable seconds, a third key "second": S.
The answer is {"hour": 12, "minute": 27}
